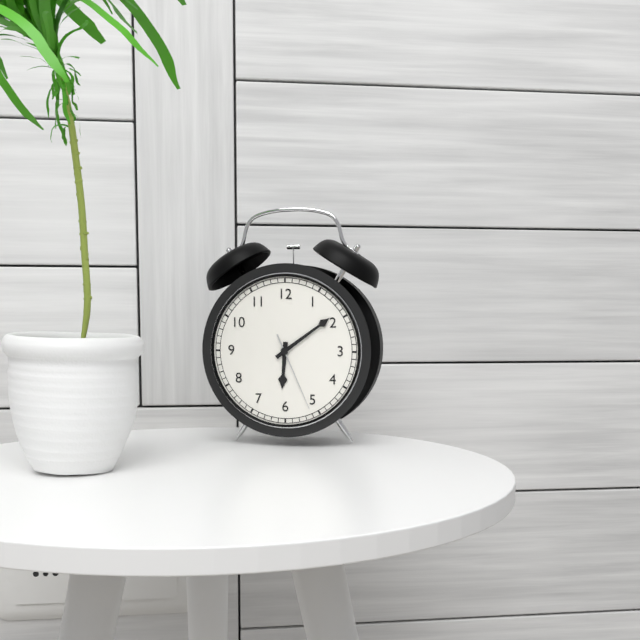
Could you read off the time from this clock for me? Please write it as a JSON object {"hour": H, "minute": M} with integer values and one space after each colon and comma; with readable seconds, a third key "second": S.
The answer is {"hour": 6, "minute": 9, "second": 26}
